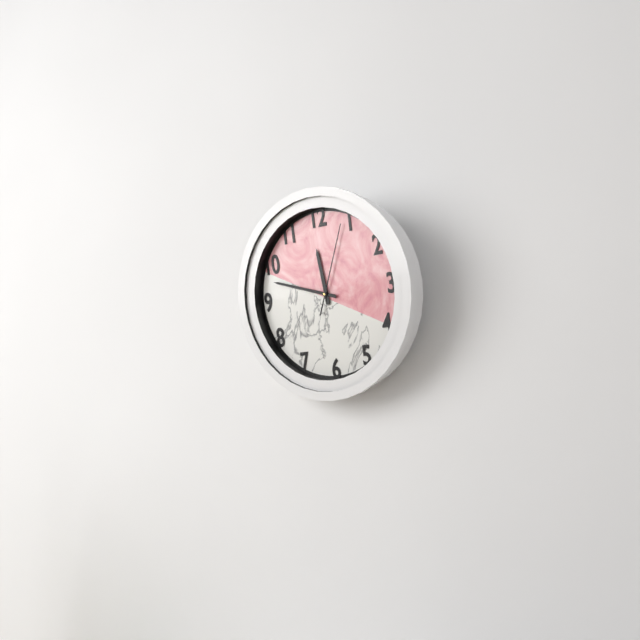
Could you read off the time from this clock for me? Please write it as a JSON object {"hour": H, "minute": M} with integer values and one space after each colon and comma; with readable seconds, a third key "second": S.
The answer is {"hour": 11, "minute": 48, "second": 4}
